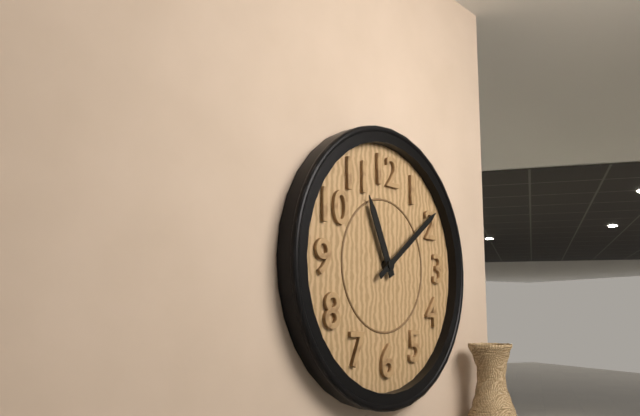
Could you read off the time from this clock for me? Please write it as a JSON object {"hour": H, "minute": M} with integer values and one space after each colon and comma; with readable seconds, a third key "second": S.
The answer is {"hour": 11, "minute": 9}
